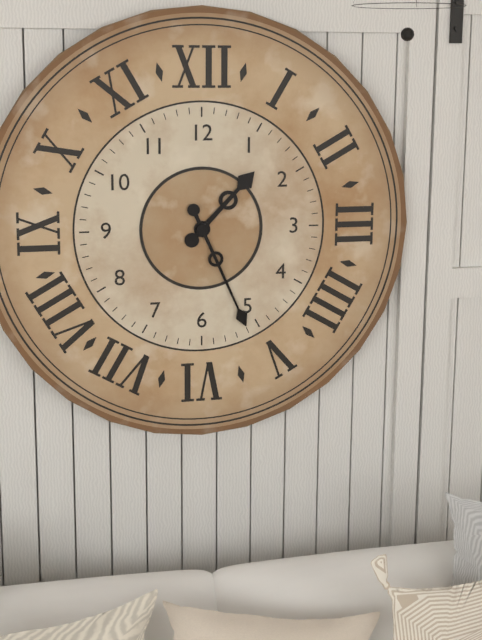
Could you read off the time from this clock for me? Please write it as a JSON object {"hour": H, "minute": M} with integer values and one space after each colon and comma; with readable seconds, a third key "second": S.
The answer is {"hour": 1, "minute": 26}
